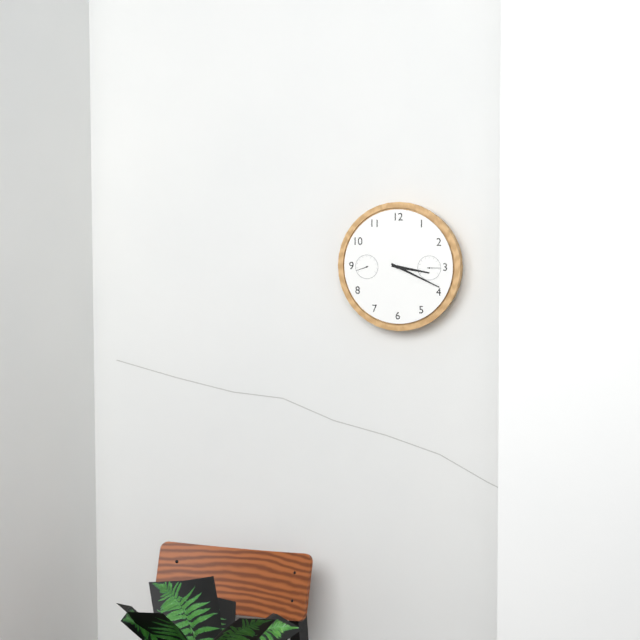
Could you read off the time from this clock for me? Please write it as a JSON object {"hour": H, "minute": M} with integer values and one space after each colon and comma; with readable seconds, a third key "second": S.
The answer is {"hour": 3, "minute": 19}
